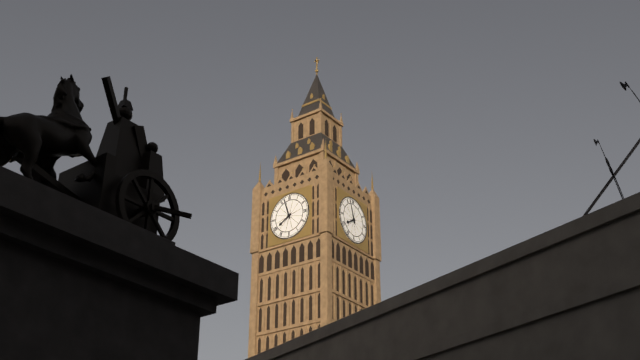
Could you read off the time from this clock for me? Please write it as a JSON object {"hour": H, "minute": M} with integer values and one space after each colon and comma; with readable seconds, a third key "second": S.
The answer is {"hour": 7, "minute": 57}
